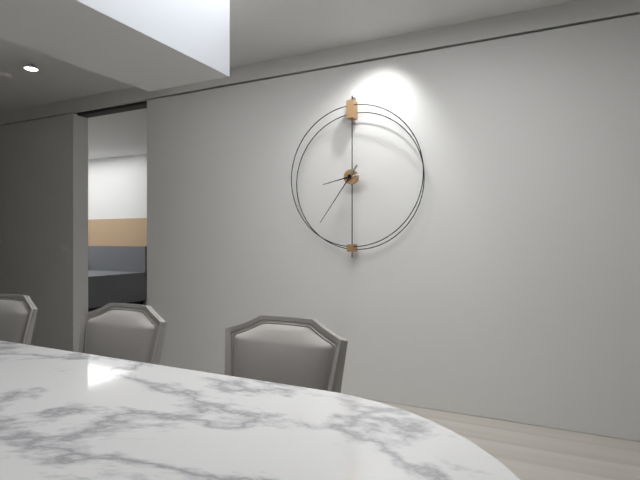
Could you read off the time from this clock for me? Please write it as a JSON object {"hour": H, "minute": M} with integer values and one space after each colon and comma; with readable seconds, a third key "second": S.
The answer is {"hour": 8, "minute": 36}
